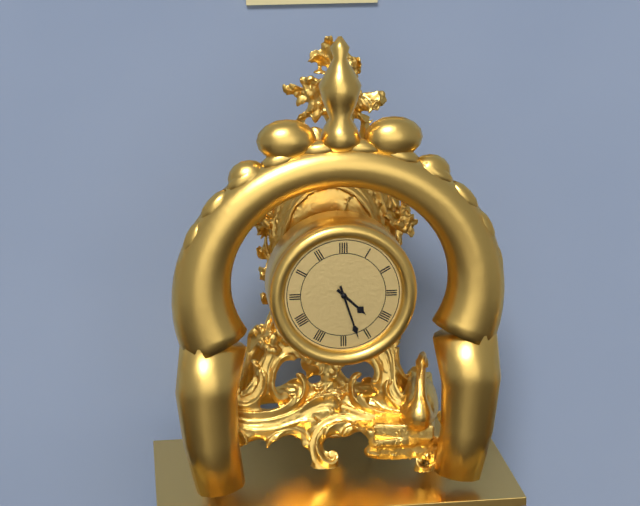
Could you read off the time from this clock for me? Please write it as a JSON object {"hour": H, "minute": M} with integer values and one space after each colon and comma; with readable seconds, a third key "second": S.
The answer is {"hour": 4, "minute": 27}
